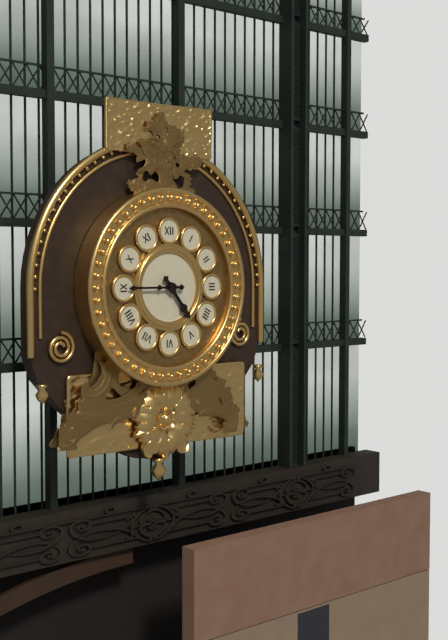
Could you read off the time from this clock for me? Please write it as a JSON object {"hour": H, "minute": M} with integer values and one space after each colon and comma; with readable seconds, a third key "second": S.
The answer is {"hour": 4, "minute": 45}
